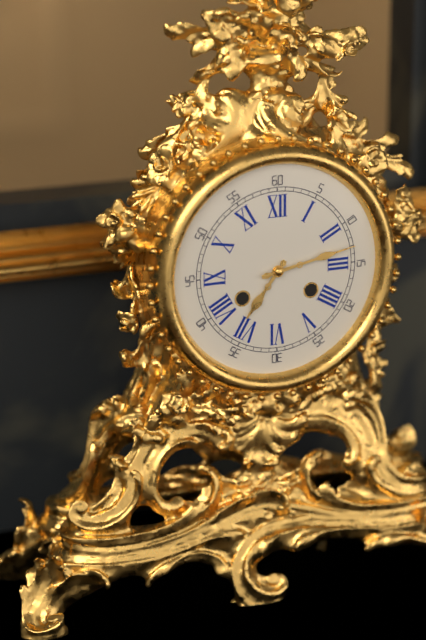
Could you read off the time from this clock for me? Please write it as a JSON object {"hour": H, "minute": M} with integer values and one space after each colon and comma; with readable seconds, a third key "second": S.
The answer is {"hour": 7, "minute": 13}
